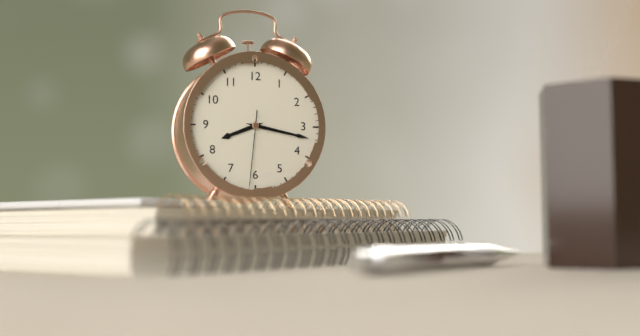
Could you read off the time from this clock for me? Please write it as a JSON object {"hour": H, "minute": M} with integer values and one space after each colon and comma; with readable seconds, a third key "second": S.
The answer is {"hour": 8, "minute": 17, "second": 31}
